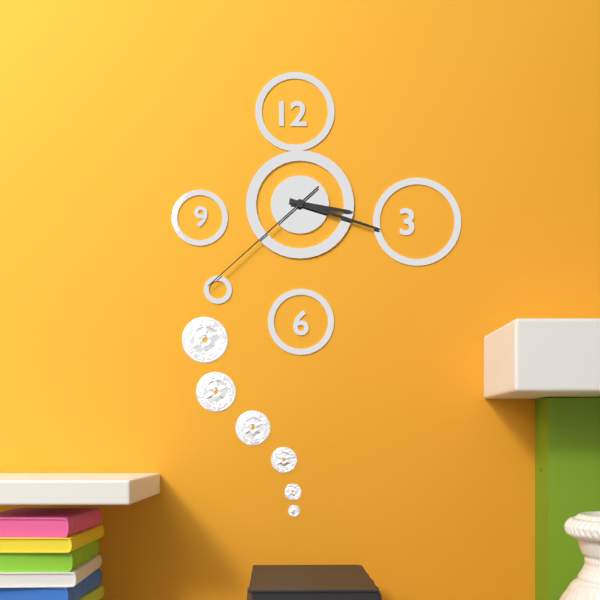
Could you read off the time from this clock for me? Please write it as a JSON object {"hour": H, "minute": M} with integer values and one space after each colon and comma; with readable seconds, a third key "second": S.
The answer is {"hour": 3, "minute": 18, "second": 38}
